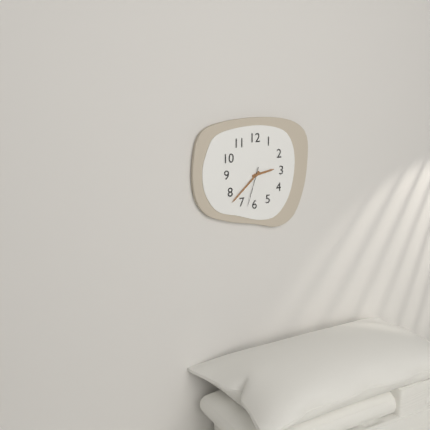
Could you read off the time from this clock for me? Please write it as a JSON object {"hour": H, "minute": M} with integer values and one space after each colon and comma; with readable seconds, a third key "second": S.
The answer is {"hour": 2, "minute": 38}
